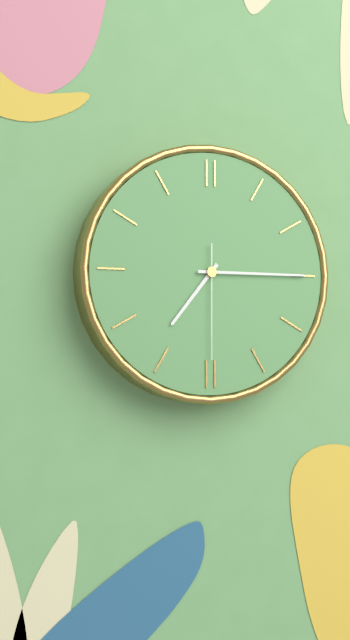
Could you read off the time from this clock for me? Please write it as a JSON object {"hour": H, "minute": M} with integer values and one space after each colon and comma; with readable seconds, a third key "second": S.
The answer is {"hour": 7, "minute": 15, "second": 30}
